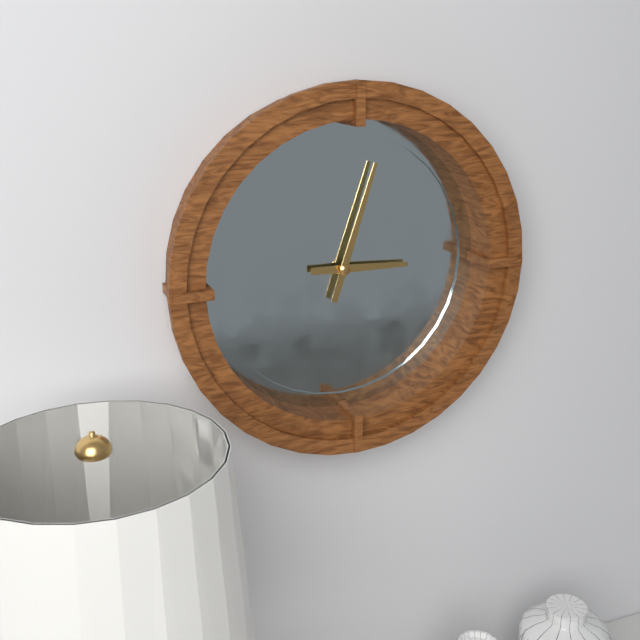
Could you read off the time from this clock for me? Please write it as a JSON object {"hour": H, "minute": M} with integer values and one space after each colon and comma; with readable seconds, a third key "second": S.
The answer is {"hour": 3, "minute": 3}
